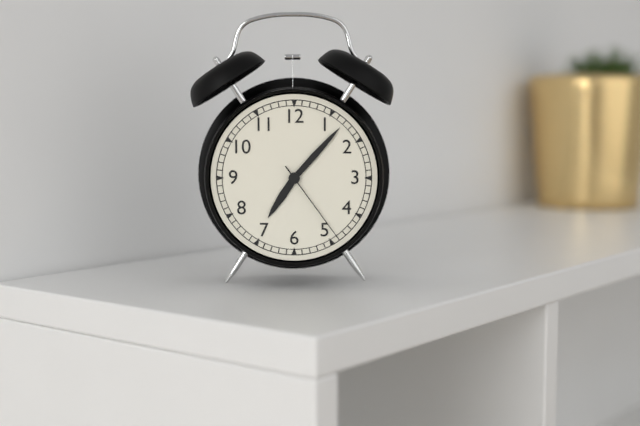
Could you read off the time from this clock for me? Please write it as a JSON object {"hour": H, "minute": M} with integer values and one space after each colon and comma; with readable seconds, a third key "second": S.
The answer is {"hour": 7, "minute": 7, "second": 24}
